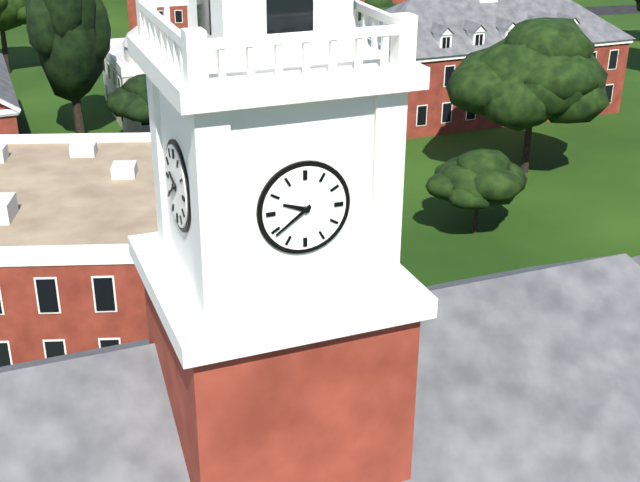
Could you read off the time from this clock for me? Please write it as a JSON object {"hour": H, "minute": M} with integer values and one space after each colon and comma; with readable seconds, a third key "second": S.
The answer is {"hour": 9, "minute": 39}
